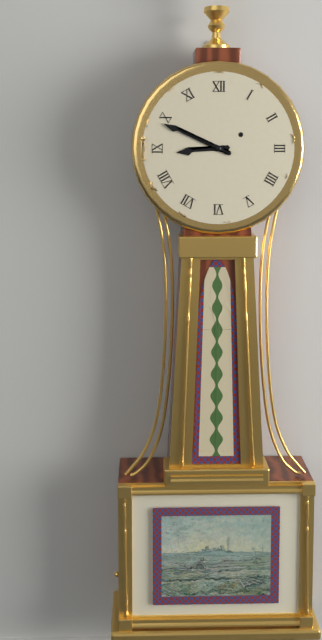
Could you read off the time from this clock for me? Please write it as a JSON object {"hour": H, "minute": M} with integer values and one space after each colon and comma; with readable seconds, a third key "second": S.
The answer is {"hour": 8, "minute": 49}
